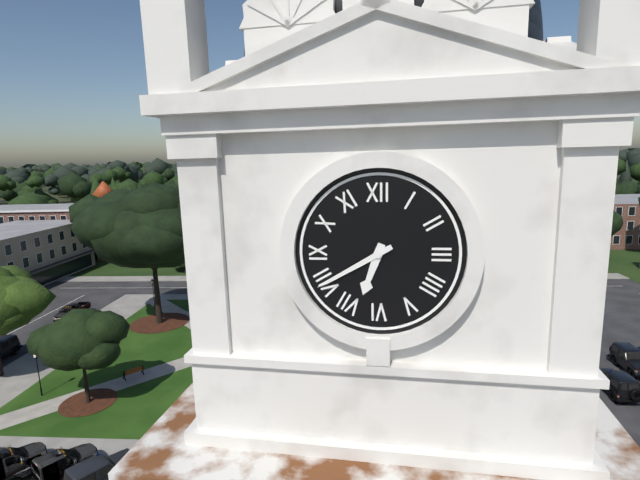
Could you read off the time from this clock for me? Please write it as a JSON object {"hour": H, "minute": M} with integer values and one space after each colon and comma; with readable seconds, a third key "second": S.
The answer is {"hour": 6, "minute": 40}
